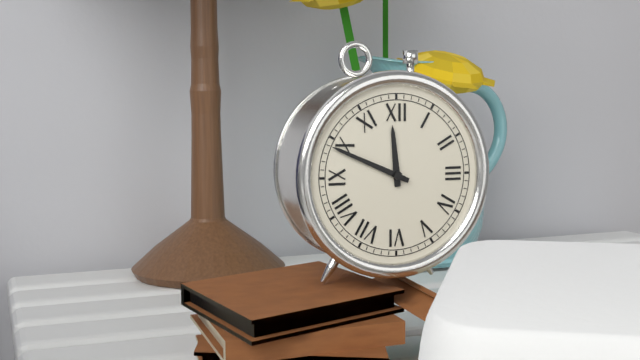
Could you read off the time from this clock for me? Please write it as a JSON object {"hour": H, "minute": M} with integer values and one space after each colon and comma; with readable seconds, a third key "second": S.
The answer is {"hour": 11, "minute": 49}
